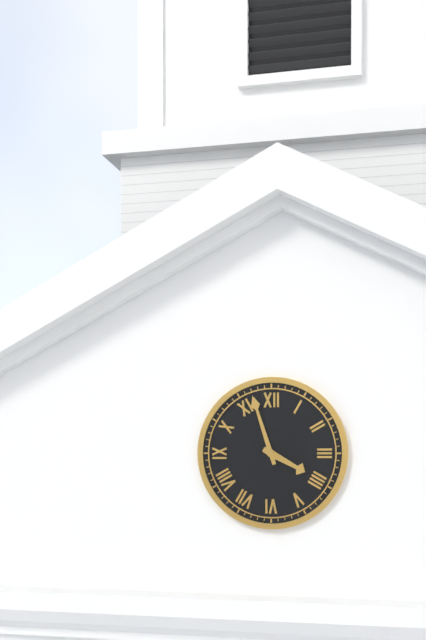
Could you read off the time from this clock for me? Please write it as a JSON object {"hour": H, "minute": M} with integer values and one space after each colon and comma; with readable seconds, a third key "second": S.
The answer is {"hour": 3, "minute": 57}
